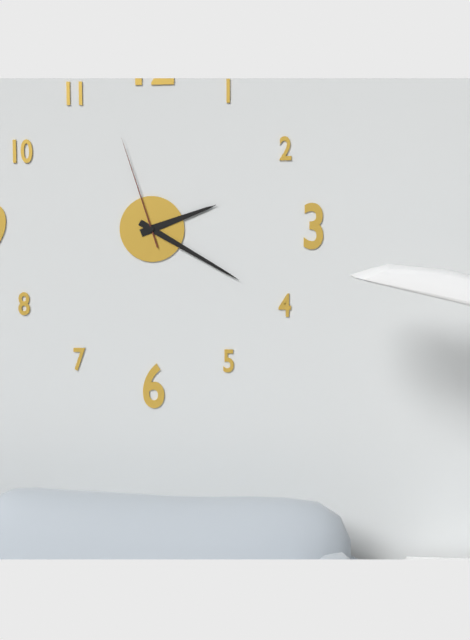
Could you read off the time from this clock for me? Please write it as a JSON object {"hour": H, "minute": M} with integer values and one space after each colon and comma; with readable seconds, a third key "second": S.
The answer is {"hour": 2, "minute": 20, "second": 57}
